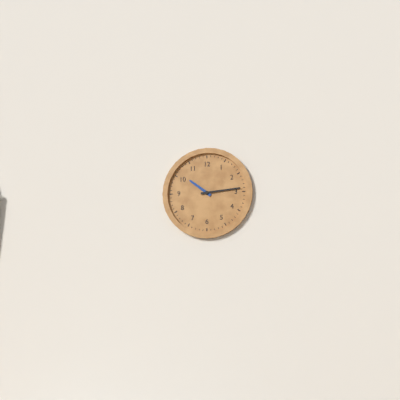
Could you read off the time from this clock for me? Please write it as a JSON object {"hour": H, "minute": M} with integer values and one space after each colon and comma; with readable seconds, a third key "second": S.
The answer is {"hour": 10, "minute": 14}
